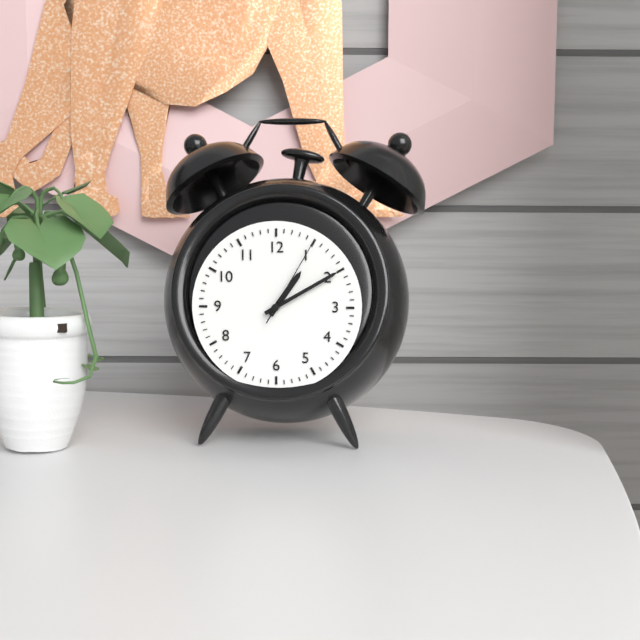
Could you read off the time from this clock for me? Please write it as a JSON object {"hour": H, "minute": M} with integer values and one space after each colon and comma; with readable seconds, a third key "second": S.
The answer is {"hour": 1, "minute": 10, "second": 5}
